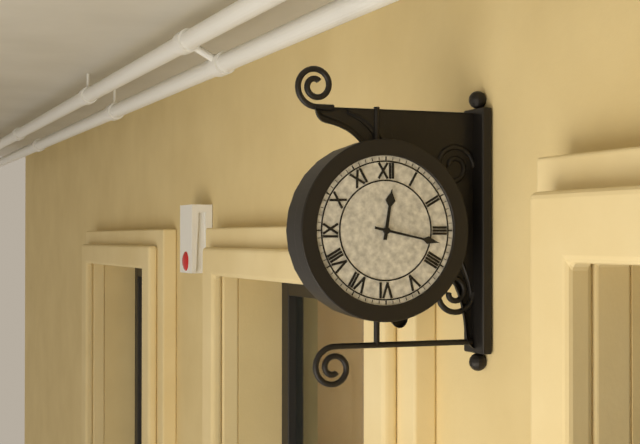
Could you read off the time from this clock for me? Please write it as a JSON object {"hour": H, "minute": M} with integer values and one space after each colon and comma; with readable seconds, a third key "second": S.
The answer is {"hour": 12, "minute": 17}
